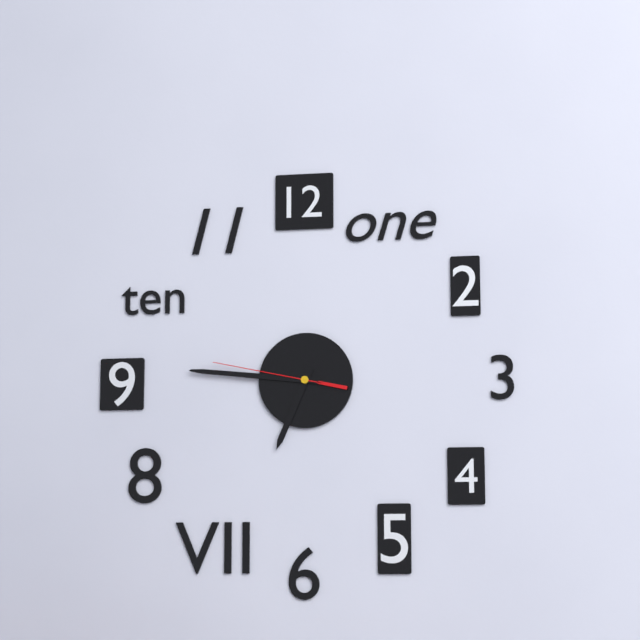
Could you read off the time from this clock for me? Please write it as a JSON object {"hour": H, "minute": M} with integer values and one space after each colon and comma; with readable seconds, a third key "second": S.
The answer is {"hour": 6, "minute": 46, "second": 47}
